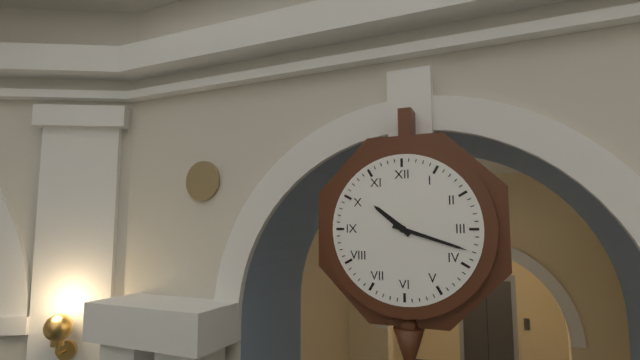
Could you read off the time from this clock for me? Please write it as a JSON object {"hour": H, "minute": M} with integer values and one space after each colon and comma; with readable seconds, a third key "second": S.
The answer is {"hour": 10, "minute": 18}
